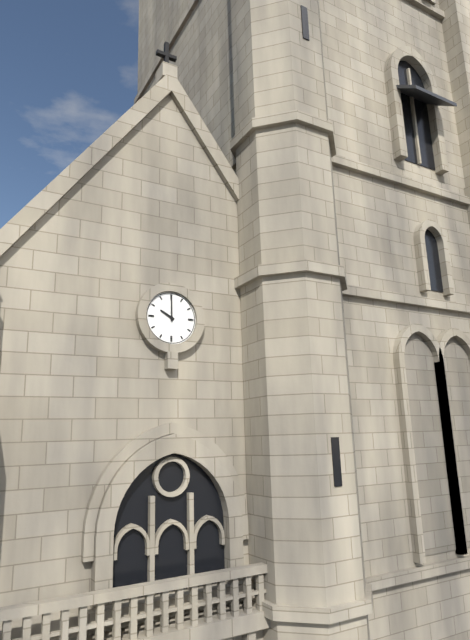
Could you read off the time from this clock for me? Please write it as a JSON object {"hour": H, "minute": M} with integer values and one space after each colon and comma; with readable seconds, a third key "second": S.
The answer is {"hour": 10, "minute": 0}
